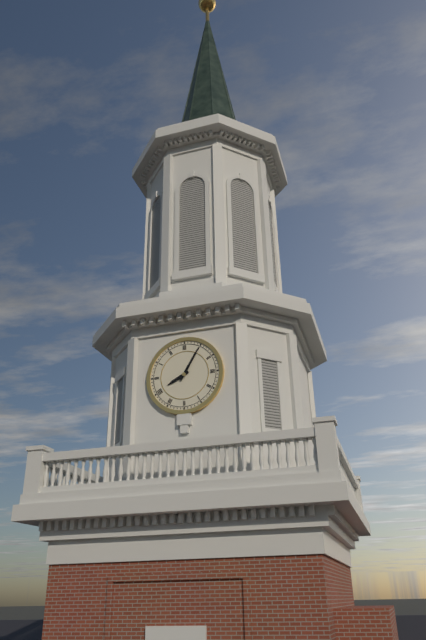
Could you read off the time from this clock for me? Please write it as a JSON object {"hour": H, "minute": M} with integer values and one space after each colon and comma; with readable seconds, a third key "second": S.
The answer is {"hour": 8, "minute": 5}
